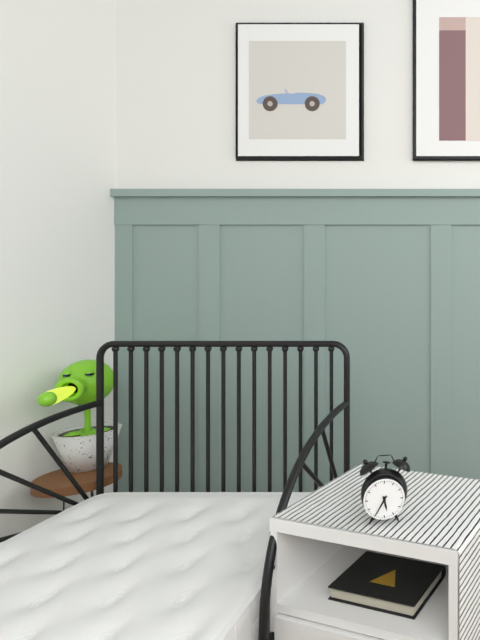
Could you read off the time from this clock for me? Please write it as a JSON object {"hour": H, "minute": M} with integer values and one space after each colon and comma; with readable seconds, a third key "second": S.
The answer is {"hour": 5, "minute": 35}
